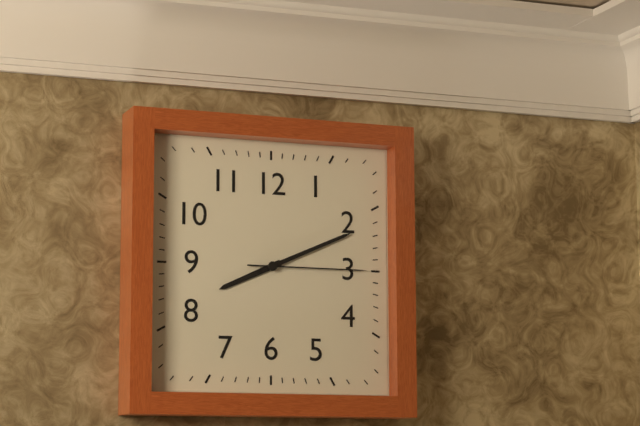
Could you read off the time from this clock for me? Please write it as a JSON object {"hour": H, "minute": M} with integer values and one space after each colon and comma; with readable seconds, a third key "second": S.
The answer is {"hour": 8, "minute": 11, "second": 15}
